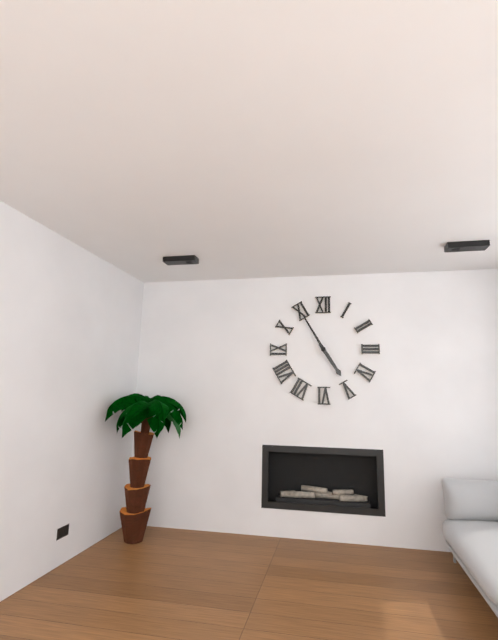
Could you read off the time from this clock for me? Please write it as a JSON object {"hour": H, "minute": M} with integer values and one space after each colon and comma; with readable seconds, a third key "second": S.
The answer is {"hour": 4, "minute": 55}
